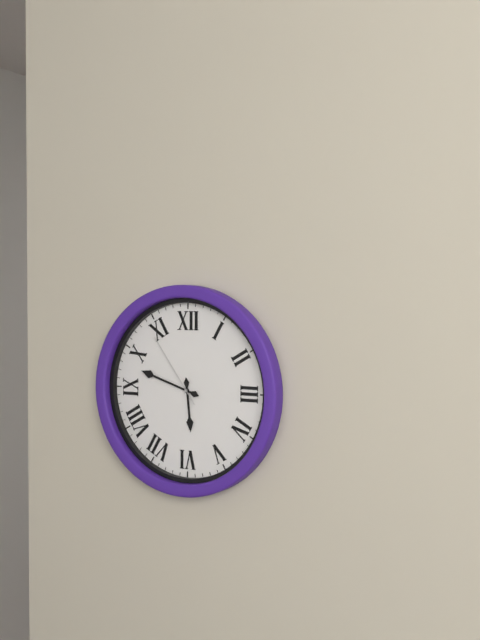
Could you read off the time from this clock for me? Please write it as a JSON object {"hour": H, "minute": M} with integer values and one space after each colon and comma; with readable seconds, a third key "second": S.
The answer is {"hour": 5, "minute": 48, "second": 54}
